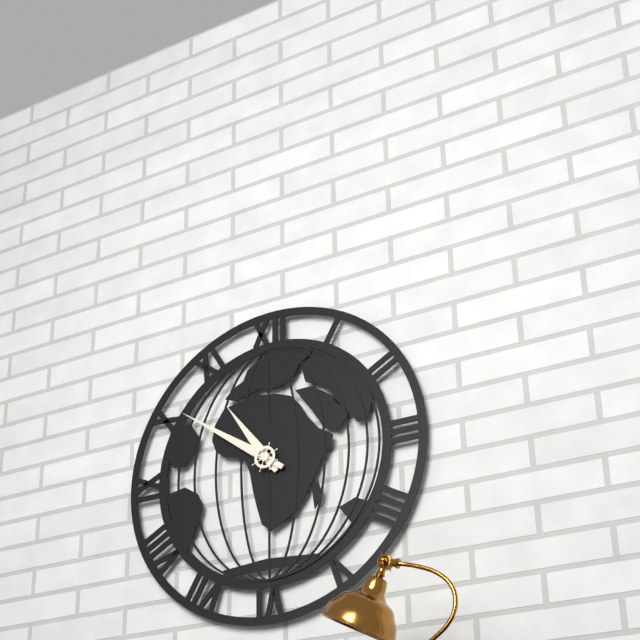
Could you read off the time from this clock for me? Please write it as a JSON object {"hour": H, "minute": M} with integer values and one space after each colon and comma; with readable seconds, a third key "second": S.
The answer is {"hour": 10, "minute": 51}
